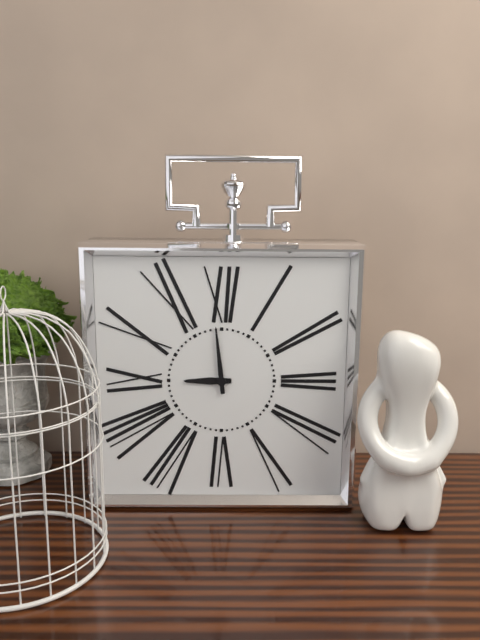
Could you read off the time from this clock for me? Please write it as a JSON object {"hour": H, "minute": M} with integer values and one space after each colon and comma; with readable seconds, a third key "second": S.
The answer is {"hour": 8, "minute": 59}
